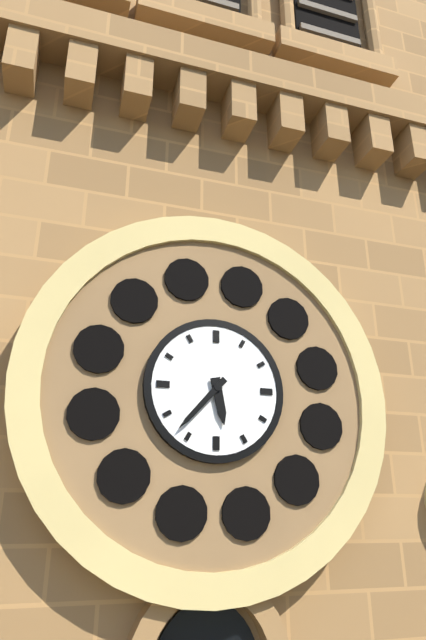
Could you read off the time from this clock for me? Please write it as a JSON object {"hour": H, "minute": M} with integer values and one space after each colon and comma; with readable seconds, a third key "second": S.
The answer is {"hour": 5, "minute": 37}
